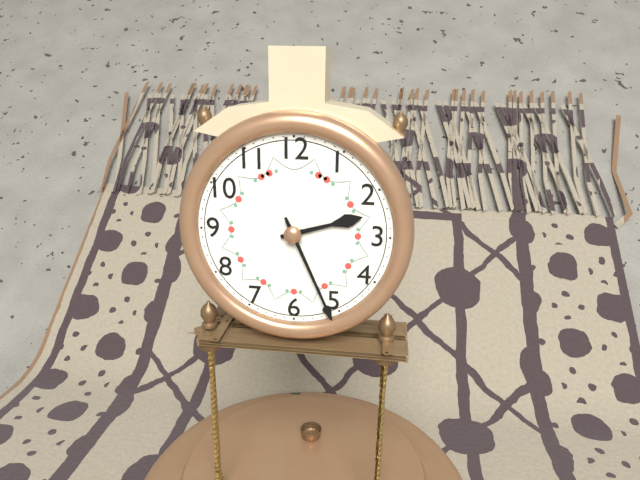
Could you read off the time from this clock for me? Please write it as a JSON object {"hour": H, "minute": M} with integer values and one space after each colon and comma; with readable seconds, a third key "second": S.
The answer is {"hour": 2, "minute": 26}
